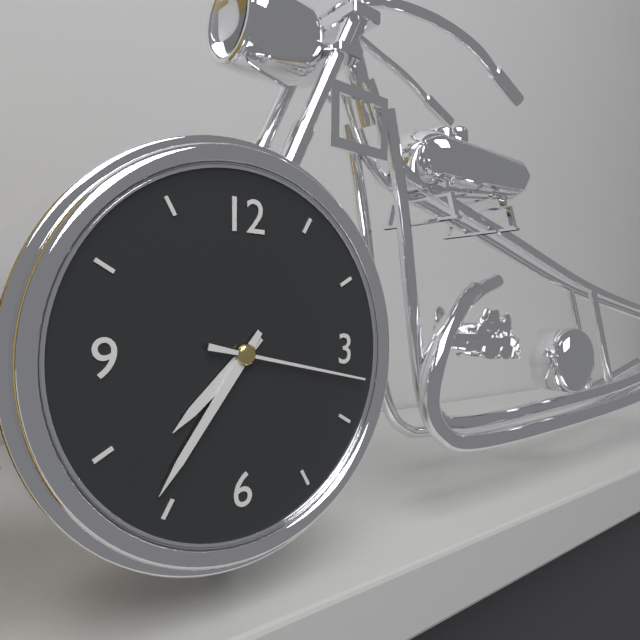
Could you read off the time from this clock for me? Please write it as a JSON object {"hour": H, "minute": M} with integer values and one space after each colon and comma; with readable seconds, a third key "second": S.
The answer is {"hour": 7, "minute": 36, "second": 17}
